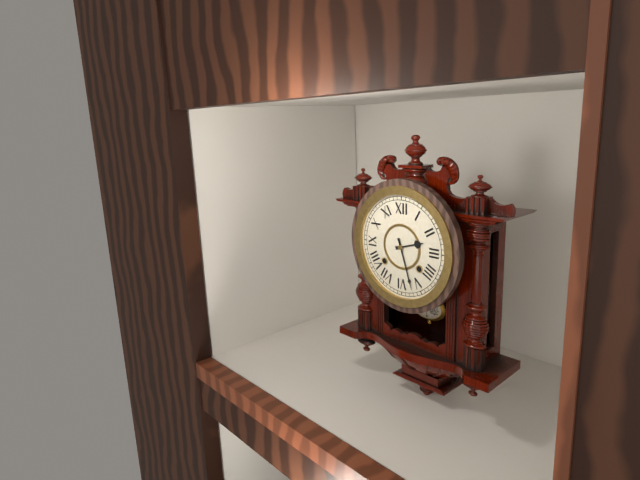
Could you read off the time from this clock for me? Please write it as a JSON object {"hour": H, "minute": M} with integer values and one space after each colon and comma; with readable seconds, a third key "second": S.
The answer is {"hour": 2, "minute": 27}
